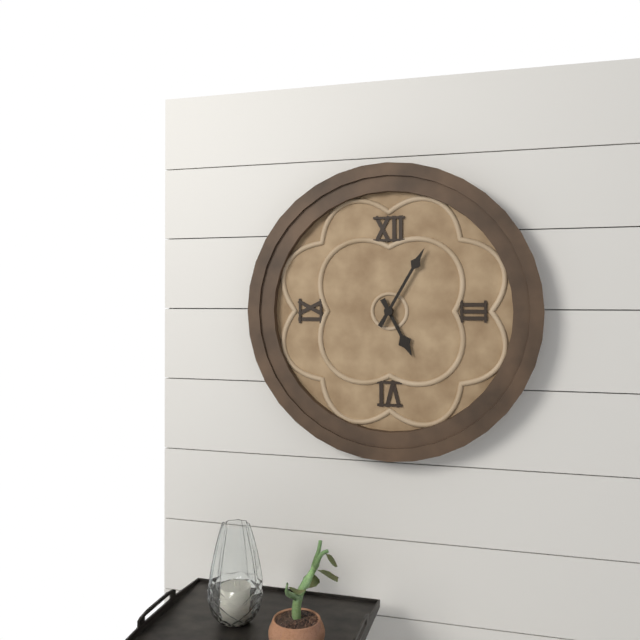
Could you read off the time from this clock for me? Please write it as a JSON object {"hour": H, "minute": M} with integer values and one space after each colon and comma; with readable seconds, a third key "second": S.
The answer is {"hour": 5, "minute": 5}
